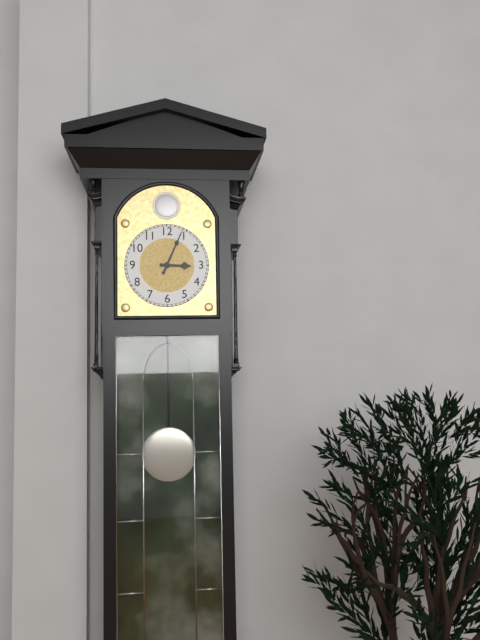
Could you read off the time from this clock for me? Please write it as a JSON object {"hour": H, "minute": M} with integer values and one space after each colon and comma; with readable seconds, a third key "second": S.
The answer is {"hour": 3, "minute": 4}
